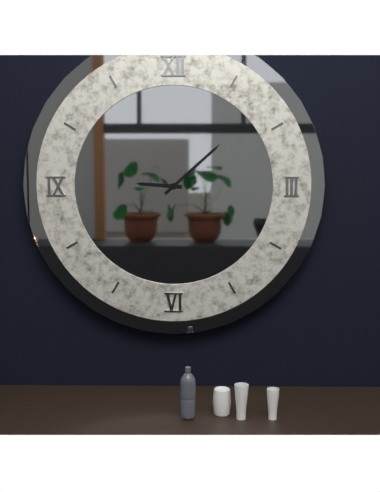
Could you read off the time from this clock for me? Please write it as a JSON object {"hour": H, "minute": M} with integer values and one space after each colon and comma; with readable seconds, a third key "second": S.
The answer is {"hour": 9, "minute": 8}
